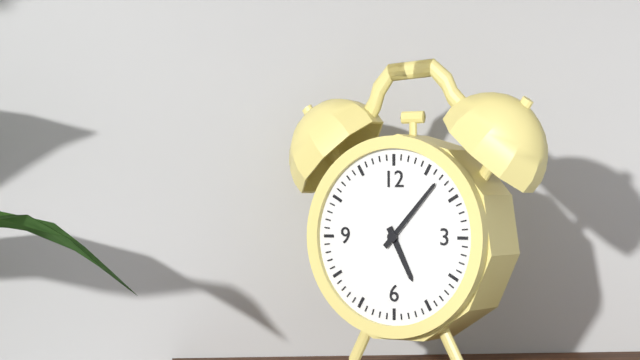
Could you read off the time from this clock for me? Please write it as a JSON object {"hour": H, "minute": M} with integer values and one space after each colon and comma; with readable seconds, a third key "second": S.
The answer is {"hour": 5, "minute": 7}
